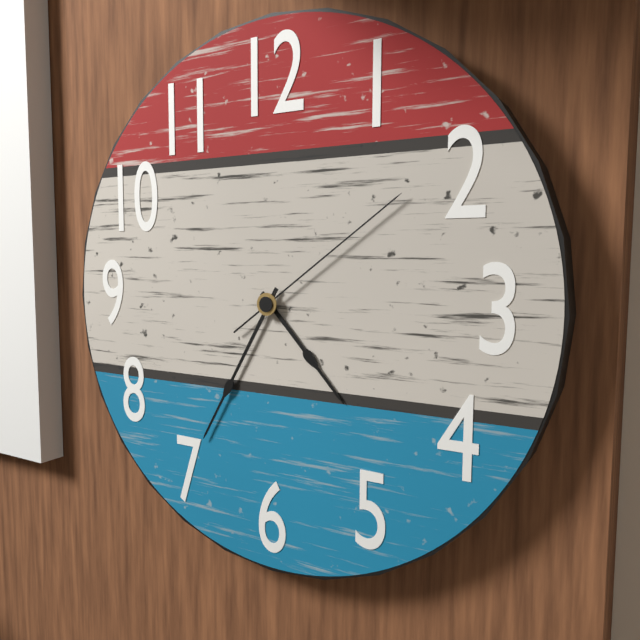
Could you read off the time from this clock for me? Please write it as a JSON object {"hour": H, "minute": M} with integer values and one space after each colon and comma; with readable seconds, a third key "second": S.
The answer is {"hour": 4, "minute": 35, "second": 9}
